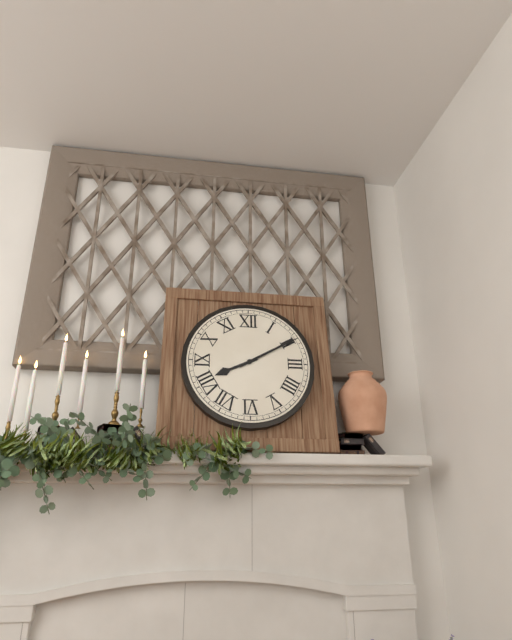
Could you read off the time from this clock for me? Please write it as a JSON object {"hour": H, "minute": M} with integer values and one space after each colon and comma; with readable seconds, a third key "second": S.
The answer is {"hour": 8, "minute": 10}
